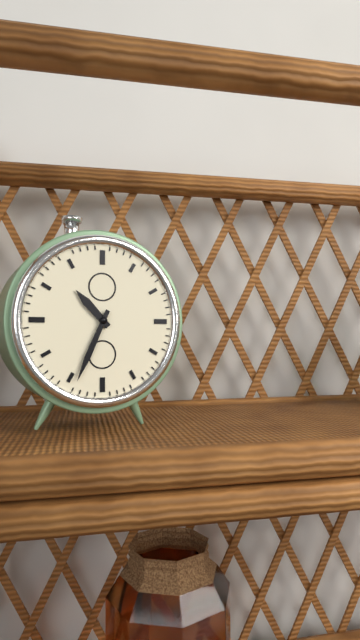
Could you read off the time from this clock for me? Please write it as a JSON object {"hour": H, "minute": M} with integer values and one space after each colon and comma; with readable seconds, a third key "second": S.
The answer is {"hour": 10, "minute": 34}
